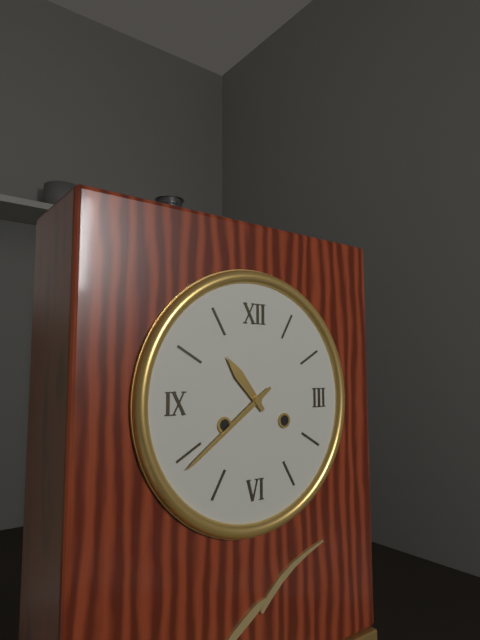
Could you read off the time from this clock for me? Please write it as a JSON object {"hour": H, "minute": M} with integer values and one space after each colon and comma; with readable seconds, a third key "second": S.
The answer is {"hour": 10, "minute": 39}
